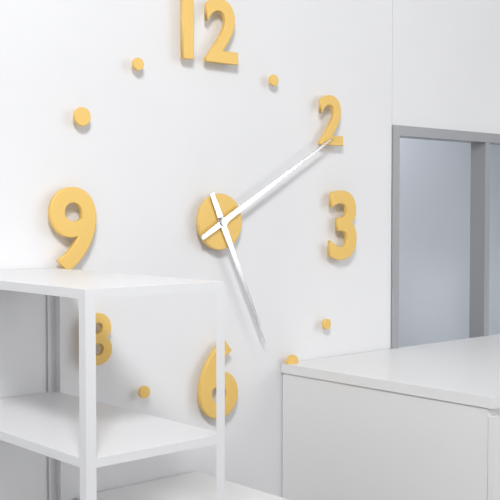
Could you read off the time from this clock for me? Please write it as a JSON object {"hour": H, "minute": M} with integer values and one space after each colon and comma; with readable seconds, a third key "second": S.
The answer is {"hour": 5, "minute": 10}
